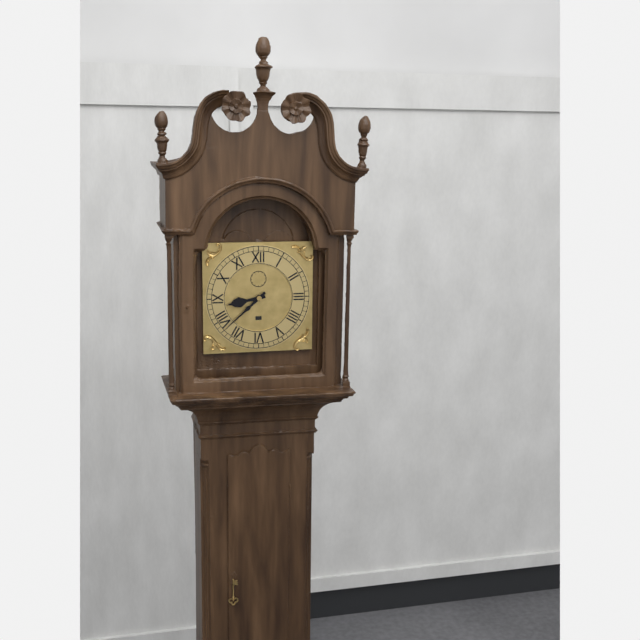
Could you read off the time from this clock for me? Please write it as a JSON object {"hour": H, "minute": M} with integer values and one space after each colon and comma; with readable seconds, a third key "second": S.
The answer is {"hour": 8, "minute": 38}
